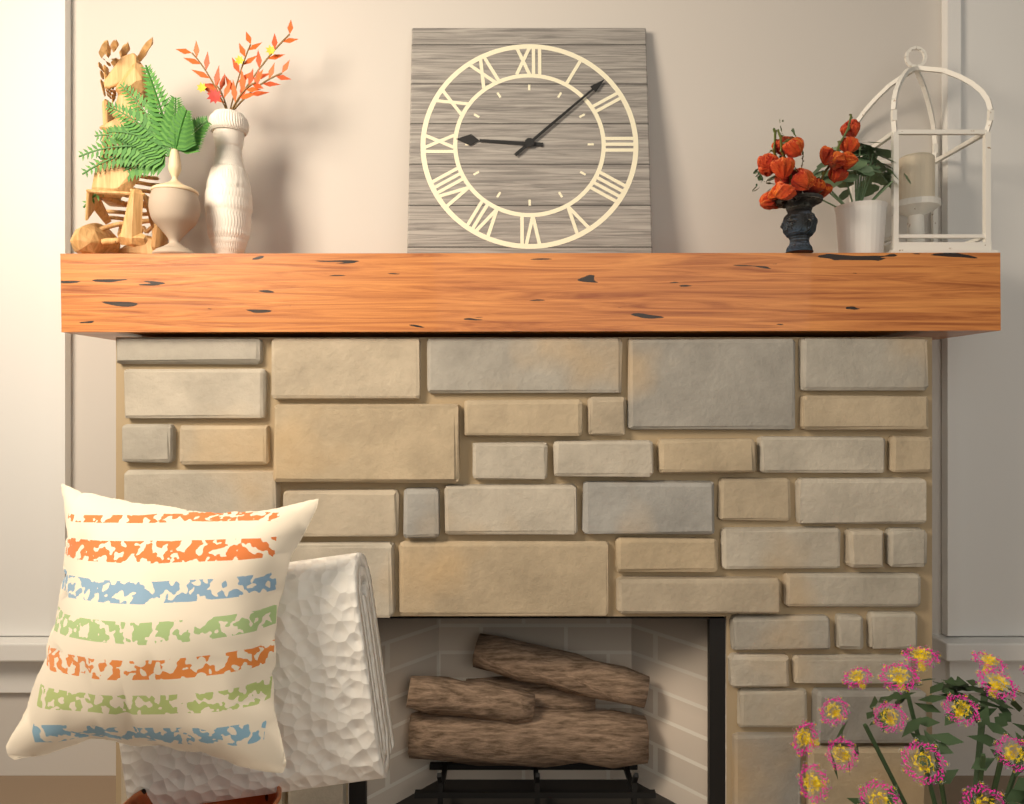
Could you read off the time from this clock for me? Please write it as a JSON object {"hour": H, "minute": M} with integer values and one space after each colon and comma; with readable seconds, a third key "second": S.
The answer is {"hour": 9, "minute": 8}
